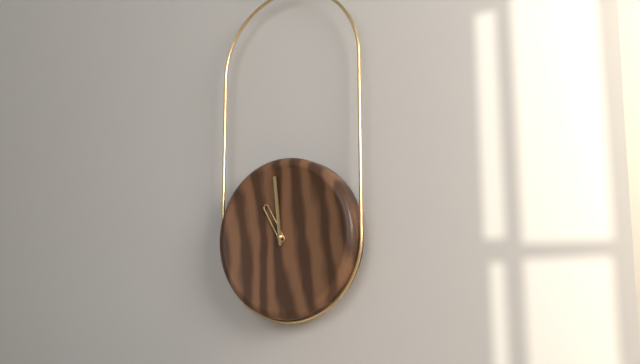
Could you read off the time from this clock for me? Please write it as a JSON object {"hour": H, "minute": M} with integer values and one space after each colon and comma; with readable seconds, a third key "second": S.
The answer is {"hour": 10, "minute": 59}
